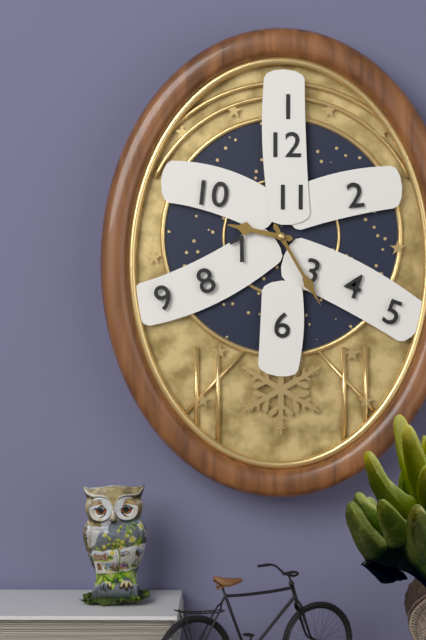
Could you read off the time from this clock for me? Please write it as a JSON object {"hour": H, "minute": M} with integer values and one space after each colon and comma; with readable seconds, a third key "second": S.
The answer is {"hour": 9, "minute": 25}
